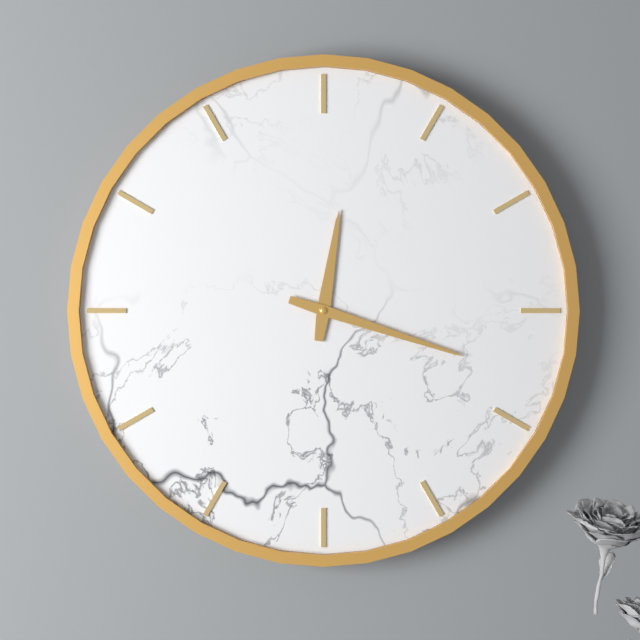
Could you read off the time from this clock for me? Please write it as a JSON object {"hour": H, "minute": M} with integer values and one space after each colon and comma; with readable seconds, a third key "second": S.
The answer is {"hour": 12, "minute": 18}
